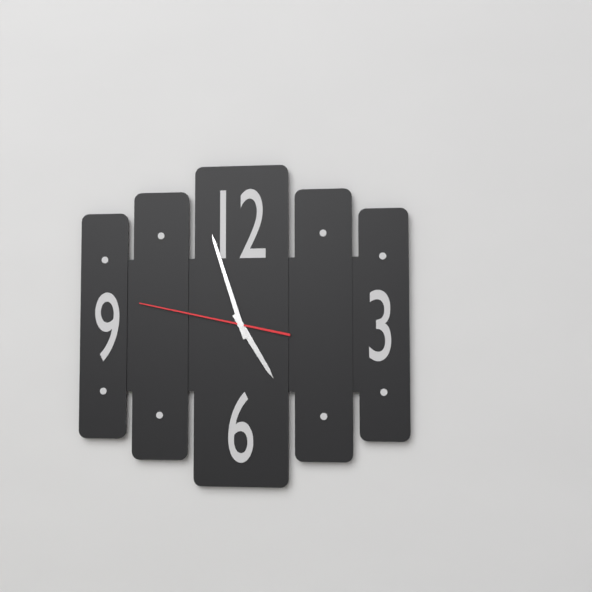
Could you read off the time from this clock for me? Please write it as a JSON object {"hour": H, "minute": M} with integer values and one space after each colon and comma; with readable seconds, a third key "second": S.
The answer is {"hour": 4, "minute": 57, "second": 47}
